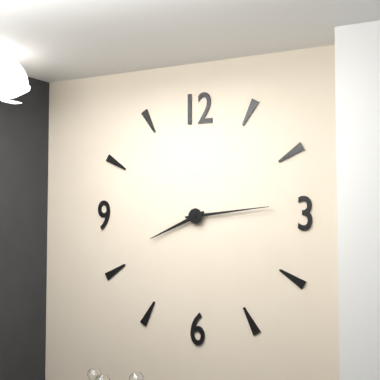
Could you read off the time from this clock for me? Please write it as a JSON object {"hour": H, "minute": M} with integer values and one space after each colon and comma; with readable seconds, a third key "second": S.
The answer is {"hour": 8, "minute": 14}
